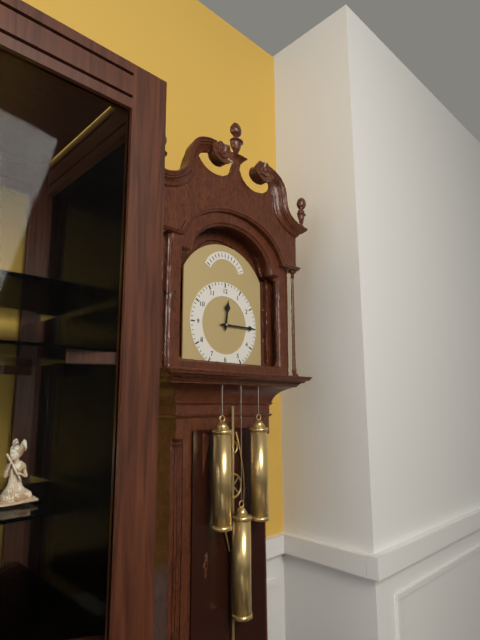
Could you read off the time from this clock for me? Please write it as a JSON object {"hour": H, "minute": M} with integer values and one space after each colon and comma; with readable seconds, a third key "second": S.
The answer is {"hour": 12, "minute": 15}
